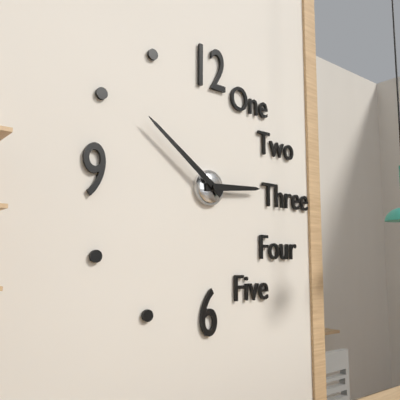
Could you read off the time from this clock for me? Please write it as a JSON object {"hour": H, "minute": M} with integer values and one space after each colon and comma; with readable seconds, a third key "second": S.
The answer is {"hour": 2, "minute": 51}
